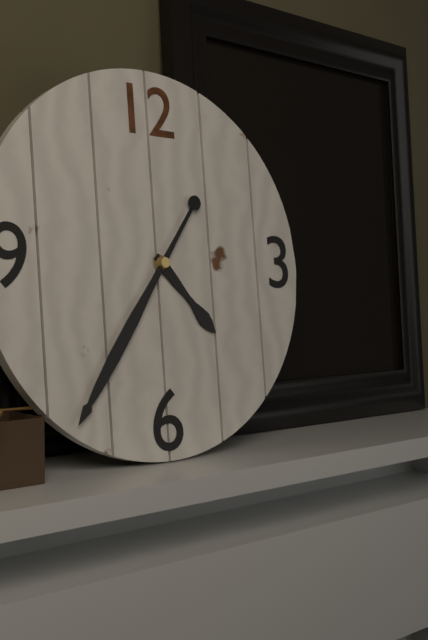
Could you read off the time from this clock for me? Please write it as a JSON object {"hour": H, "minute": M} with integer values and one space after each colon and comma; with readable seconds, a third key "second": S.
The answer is {"hour": 4, "minute": 36}
